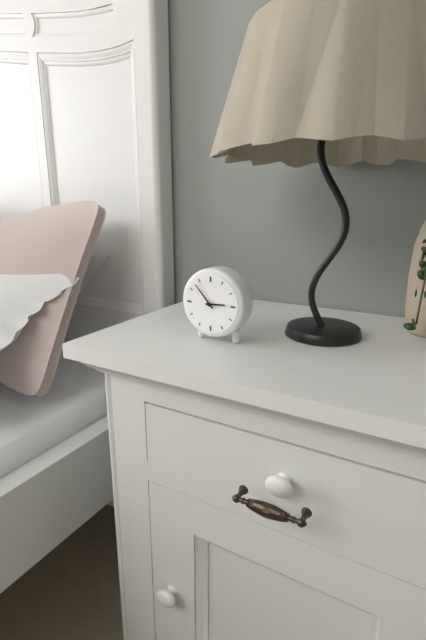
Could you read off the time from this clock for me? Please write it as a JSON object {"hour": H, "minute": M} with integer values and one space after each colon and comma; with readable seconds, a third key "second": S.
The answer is {"hour": 2, "minute": 53}
